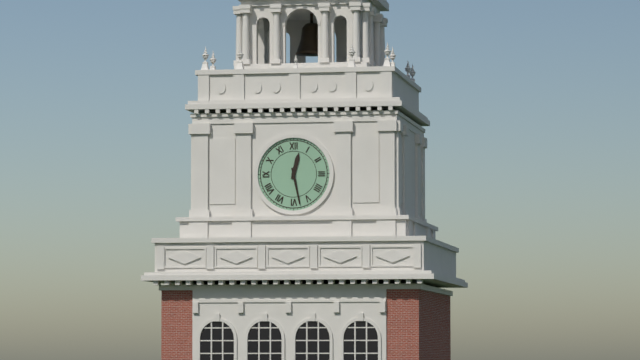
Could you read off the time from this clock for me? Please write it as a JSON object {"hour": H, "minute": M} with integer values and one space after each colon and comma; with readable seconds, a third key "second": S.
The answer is {"hour": 12, "minute": 28}
